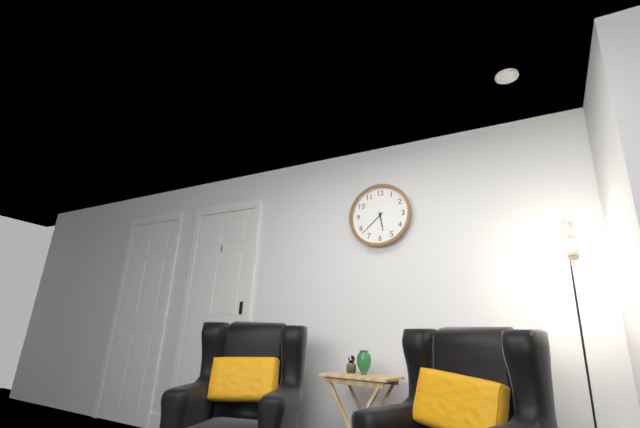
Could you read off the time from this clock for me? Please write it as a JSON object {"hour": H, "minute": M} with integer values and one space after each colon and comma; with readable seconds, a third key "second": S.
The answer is {"hour": 5, "minute": 38}
